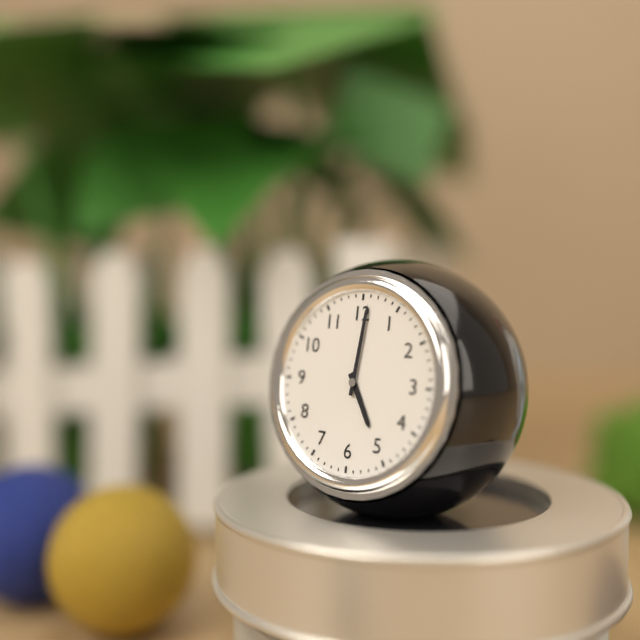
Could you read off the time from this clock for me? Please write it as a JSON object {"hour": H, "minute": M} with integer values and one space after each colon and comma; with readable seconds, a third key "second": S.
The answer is {"hour": 5, "minute": 1}
